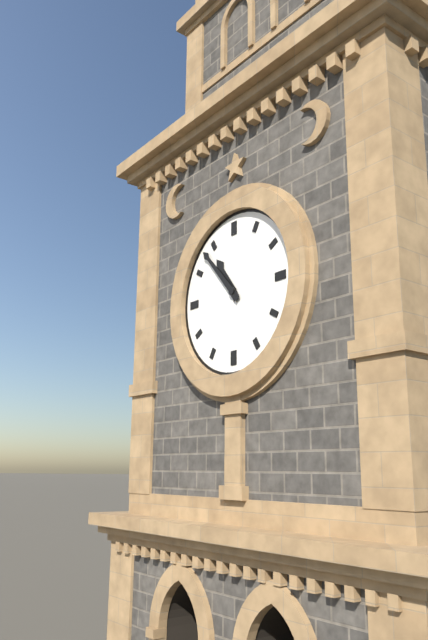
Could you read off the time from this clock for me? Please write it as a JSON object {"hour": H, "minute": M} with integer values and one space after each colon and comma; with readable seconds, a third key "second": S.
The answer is {"hour": 10, "minute": 53}
